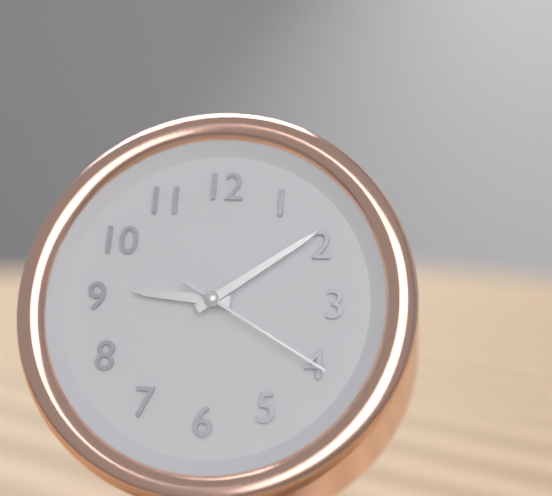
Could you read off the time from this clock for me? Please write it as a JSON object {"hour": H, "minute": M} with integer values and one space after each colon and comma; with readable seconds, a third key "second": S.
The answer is {"hour": 9, "minute": 9, "second": 20}
